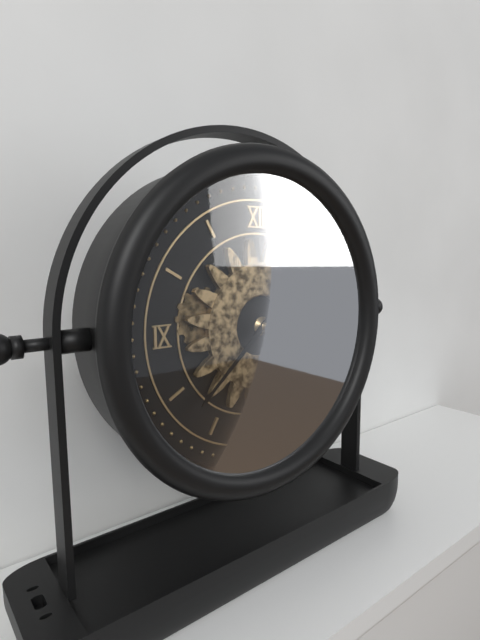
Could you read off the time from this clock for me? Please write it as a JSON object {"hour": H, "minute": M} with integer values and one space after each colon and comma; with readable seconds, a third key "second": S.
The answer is {"hour": 1, "minute": 38}
